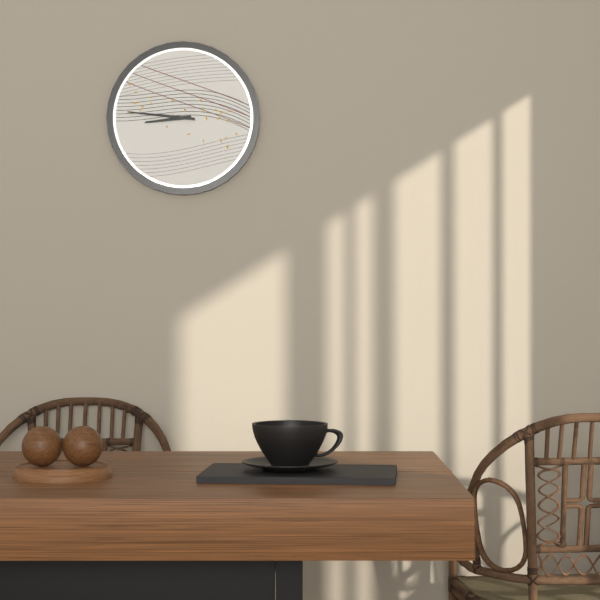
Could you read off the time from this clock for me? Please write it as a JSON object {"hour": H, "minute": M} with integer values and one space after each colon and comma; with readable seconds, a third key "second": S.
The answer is {"hour": 8, "minute": 46}
